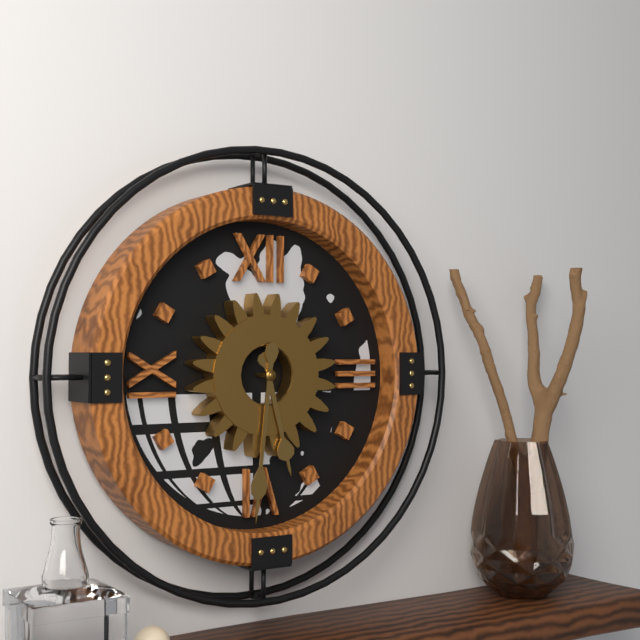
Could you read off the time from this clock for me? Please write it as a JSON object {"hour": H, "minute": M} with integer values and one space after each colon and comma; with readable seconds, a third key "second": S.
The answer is {"hour": 5, "minute": 31}
